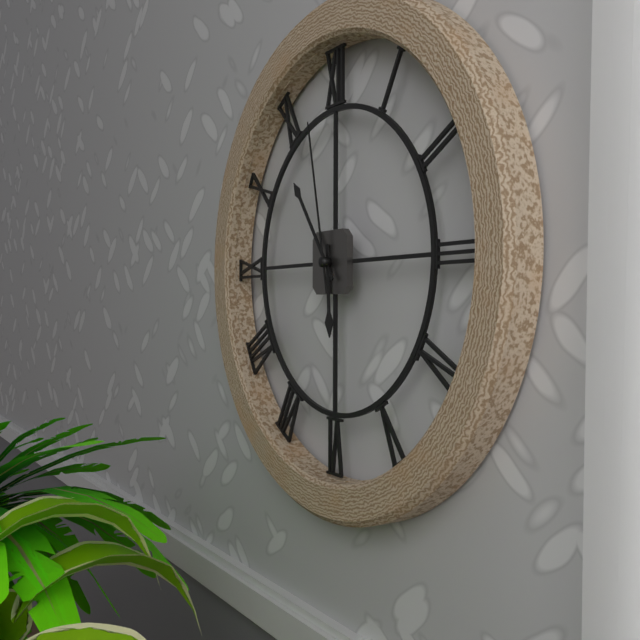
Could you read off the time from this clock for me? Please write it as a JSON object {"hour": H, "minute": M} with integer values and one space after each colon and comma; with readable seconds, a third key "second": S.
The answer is {"hour": 5, "minute": 54, "second": 58}
